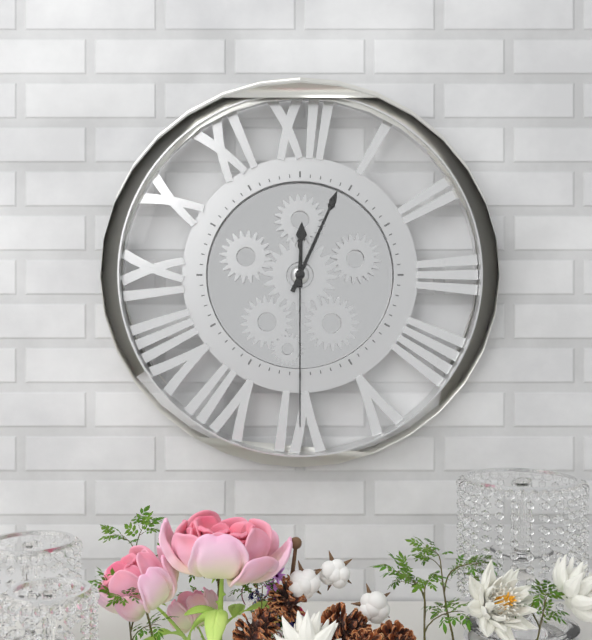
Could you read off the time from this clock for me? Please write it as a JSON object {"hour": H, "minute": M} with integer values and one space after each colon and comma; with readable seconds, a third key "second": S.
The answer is {"hour": 12, "minute": 4, "second": 30}
